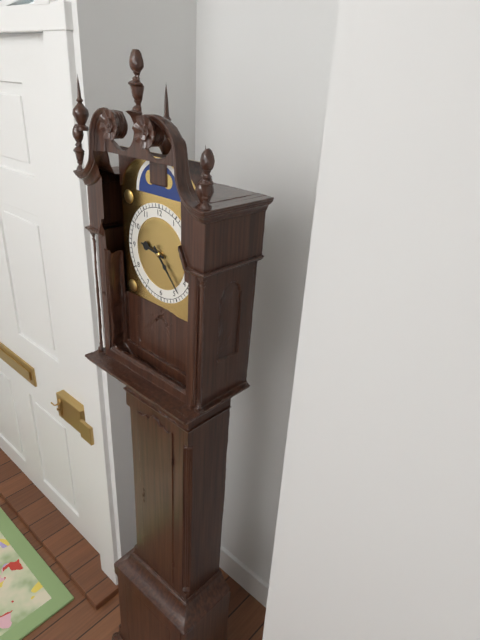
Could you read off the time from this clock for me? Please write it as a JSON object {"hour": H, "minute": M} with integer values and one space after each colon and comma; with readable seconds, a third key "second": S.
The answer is {"hour": 9, "minute": 23}
